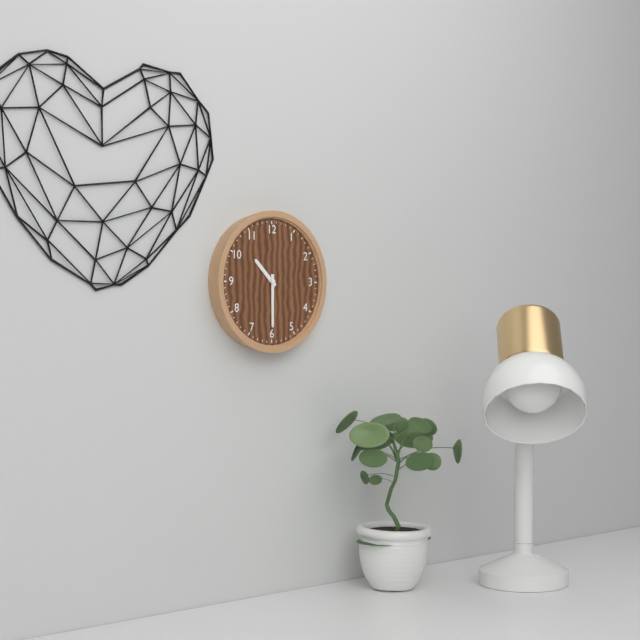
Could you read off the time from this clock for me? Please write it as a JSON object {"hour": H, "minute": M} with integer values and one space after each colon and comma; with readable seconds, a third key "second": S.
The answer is {"hour": 10, "minute": 30}
